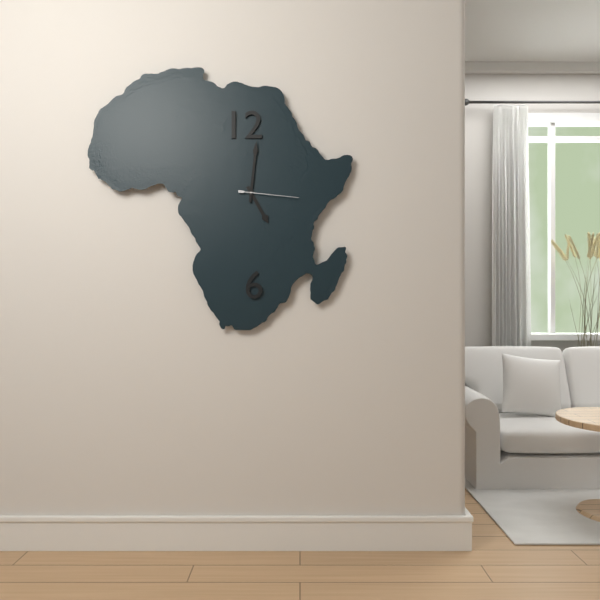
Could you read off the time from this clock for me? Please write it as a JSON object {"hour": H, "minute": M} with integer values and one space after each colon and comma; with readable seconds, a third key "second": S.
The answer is {"hour": 5, "minute": 1, "second": 16}
